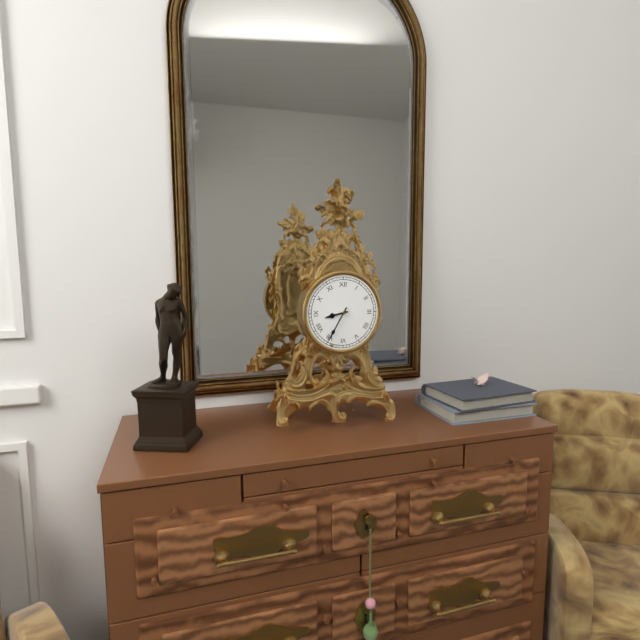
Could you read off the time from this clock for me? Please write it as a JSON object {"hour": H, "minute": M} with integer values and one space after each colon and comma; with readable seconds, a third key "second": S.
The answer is {"hour": 8, "minute": 35}
